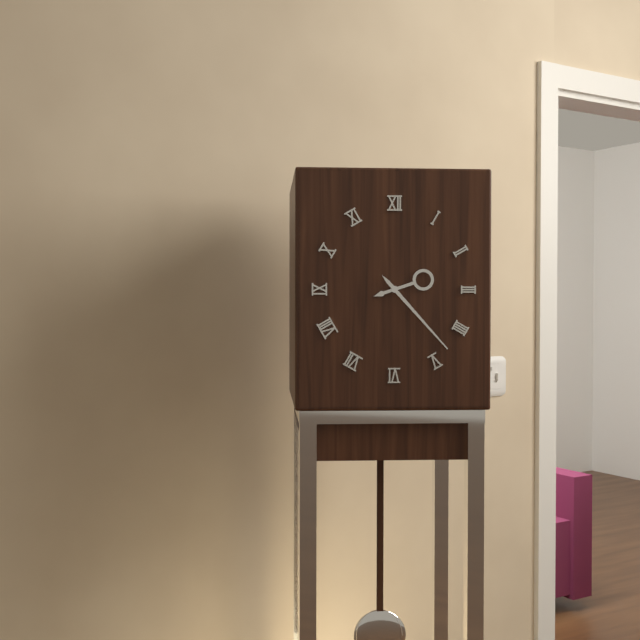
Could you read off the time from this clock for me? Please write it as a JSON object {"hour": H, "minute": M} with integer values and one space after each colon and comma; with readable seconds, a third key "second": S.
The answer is {"hour": 2, "minute": 23}
